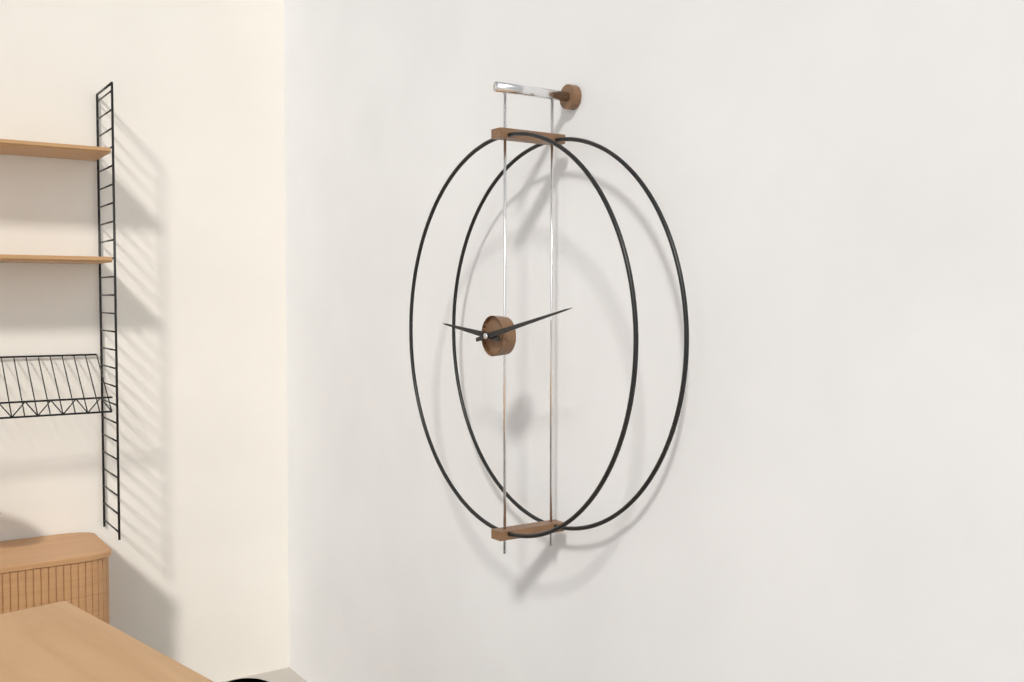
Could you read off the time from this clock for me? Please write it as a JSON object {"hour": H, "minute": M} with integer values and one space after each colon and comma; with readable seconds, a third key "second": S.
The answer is {"hour": 9, "minute": 13}
